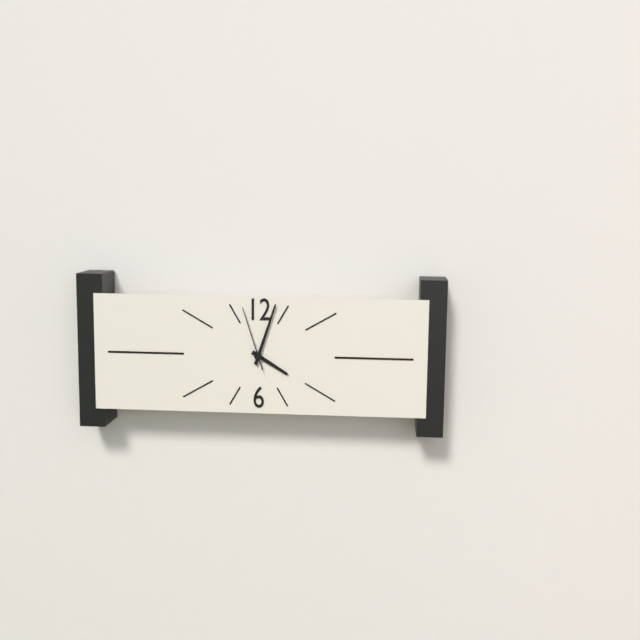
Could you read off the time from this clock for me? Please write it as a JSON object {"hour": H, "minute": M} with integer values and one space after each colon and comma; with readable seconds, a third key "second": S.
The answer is {"hour": 4, "minute": 3, "second": 57}
